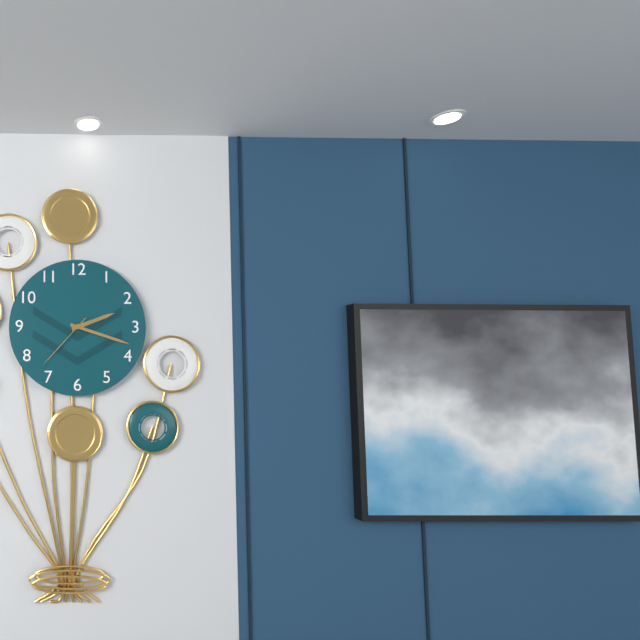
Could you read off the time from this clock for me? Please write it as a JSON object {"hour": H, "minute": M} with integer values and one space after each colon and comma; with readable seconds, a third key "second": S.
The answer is {"hour": 2, "minute": 18, "second": 37}
